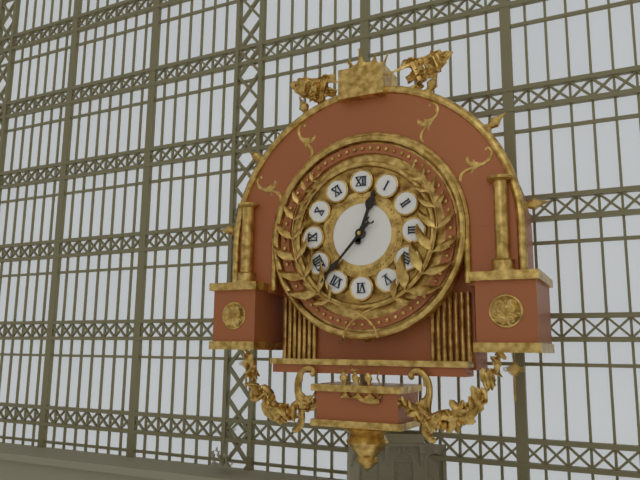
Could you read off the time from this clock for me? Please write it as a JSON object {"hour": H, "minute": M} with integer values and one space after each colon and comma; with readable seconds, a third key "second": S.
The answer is {"hour": 12, "minute": 37}
